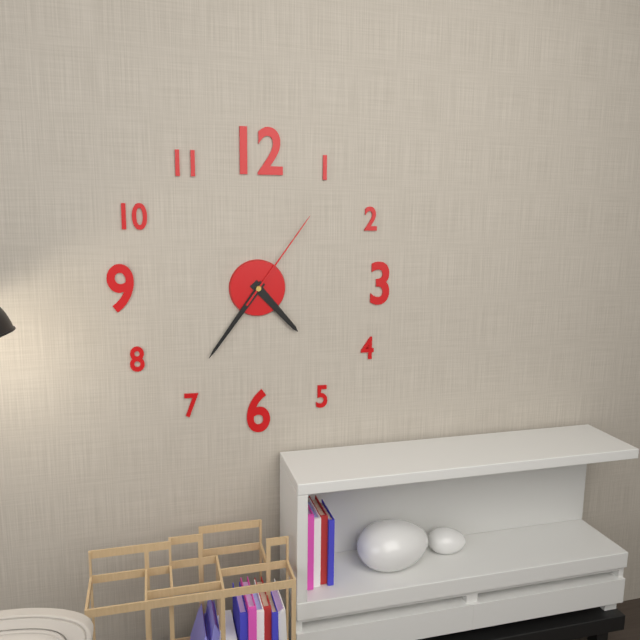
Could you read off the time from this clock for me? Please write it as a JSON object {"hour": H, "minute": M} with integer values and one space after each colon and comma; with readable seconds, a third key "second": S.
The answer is {"hour": 4, "minute": 36, "second": 6}
